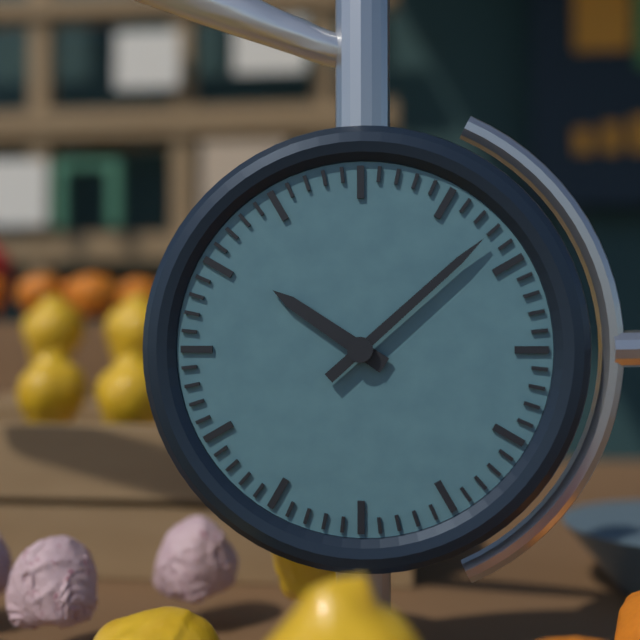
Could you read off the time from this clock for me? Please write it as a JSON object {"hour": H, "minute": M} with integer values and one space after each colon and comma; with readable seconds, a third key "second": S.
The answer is {"hour": 10, "minute": 8}
